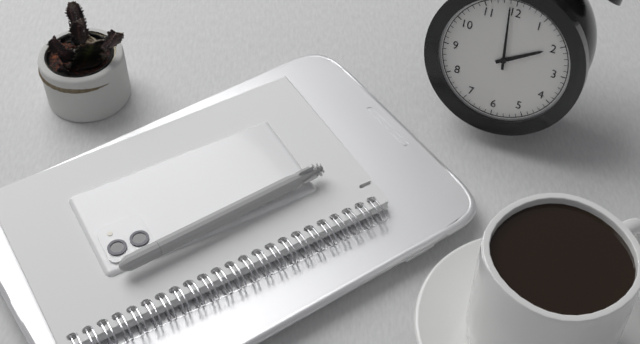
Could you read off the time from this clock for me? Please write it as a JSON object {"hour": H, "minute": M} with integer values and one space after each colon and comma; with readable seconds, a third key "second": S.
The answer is {"hour": 1, "minute": 59}
